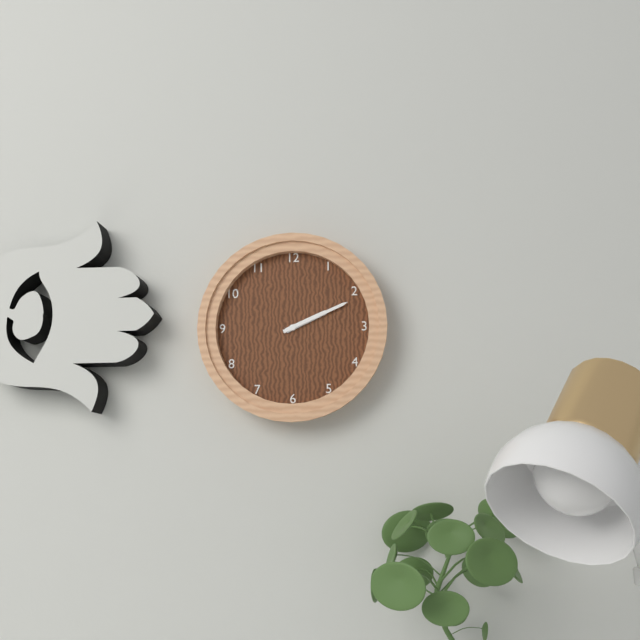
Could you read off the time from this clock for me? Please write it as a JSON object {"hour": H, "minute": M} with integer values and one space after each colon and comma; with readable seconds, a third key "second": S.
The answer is {"hour": 2, "minute": 11}
